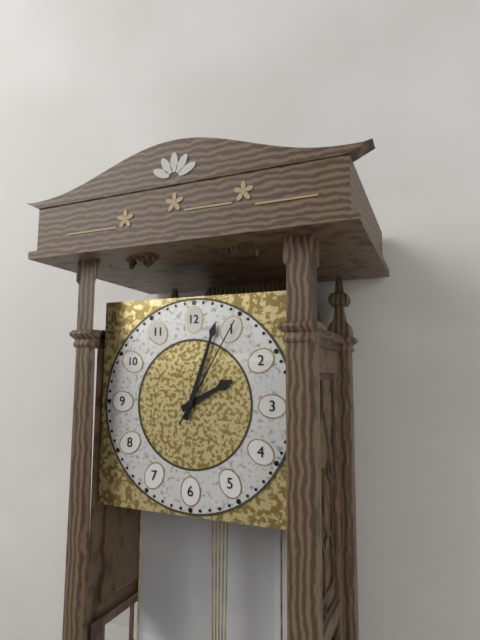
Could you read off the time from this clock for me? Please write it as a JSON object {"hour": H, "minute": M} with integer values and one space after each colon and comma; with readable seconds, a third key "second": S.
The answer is {"hour": 2, "minute": 3, "second": 5}
